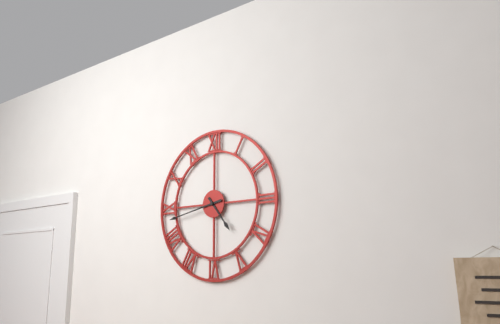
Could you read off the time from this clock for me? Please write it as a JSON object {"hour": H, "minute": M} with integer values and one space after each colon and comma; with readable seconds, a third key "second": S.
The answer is {"hour": 4, "minute": 43}
